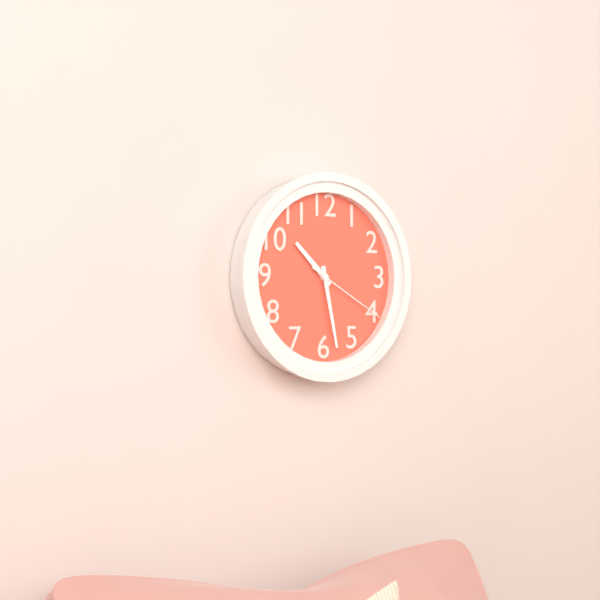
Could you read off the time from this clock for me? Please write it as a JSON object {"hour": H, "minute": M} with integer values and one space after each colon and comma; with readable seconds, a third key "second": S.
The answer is {"hour": 10, "minute": 28, "second": 20}
